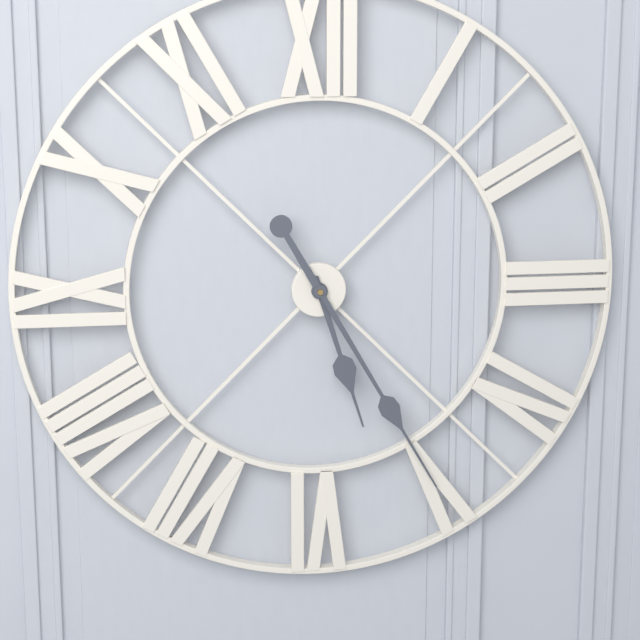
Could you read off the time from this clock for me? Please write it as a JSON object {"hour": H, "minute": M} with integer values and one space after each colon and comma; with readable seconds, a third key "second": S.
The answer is {"hour": 5, "minute": 25}
